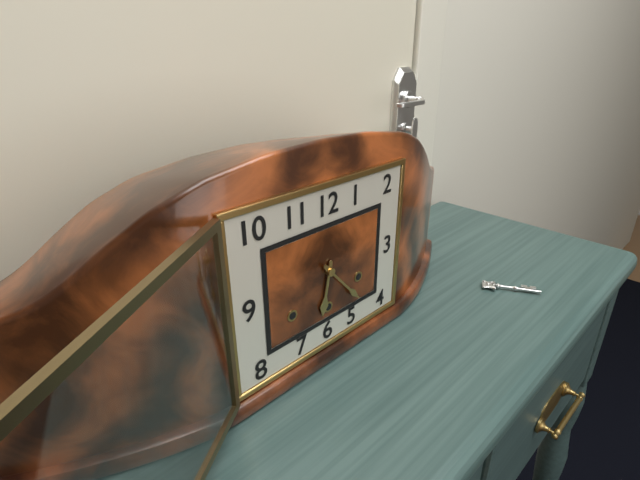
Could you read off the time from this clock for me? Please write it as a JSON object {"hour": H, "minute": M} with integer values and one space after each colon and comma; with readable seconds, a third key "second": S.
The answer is {"hour": 6, "minute": 23}
